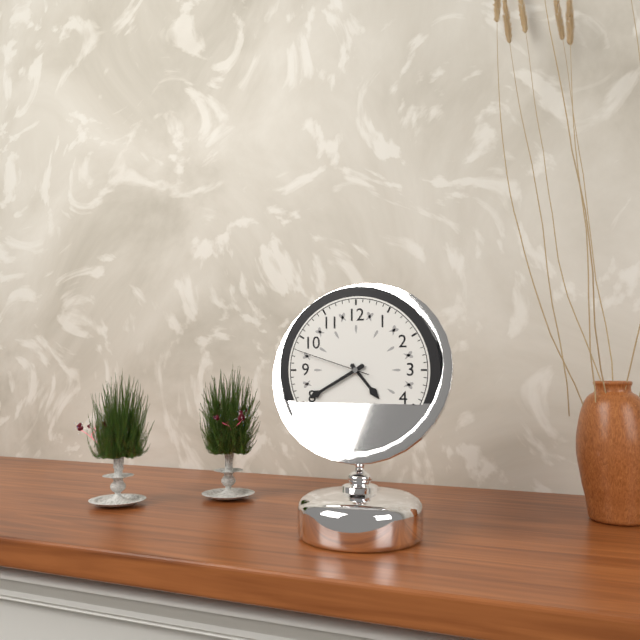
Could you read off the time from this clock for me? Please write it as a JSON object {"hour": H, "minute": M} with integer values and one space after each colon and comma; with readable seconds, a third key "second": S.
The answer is {"hour": 4, "minute": 40, "second": 48}
